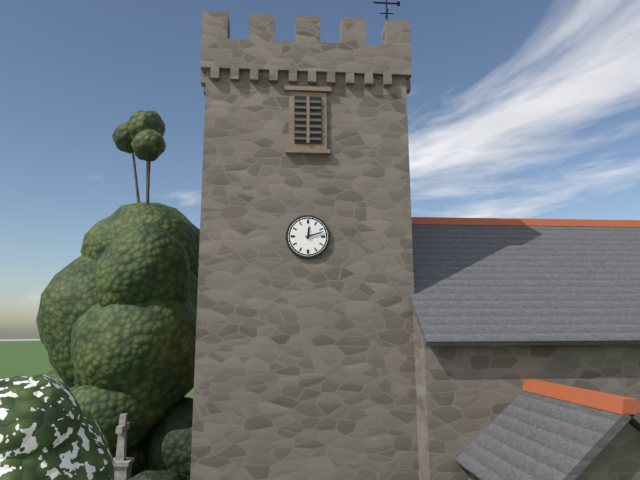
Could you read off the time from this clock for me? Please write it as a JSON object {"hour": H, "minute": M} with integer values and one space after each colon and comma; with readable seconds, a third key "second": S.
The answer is {"hour": 12, "minute": 12}
